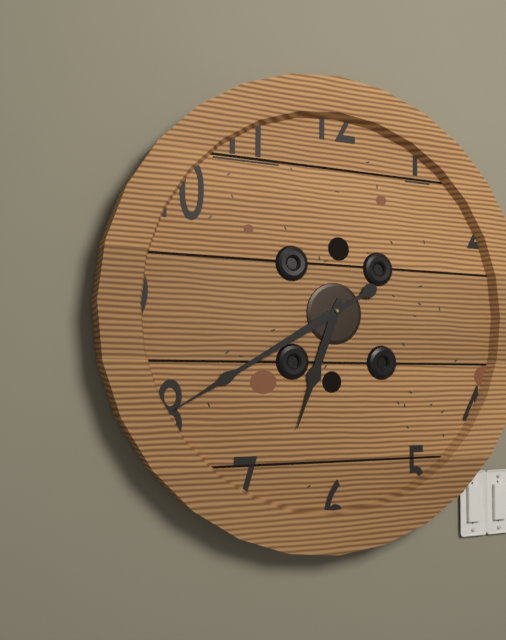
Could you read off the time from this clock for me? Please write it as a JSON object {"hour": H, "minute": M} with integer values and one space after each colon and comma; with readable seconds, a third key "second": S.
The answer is {"hour": 6, "minute": 40}
